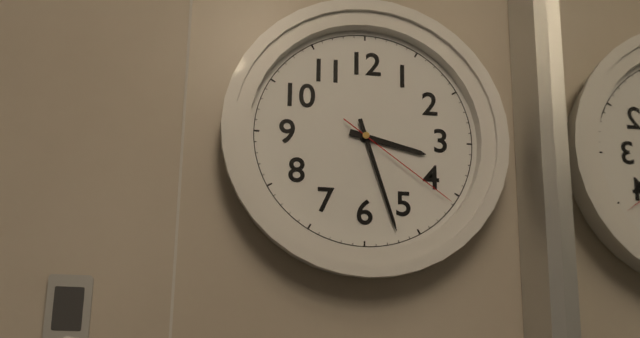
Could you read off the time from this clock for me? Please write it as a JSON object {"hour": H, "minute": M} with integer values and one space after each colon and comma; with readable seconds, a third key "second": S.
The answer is {"hour": 3, "minute": 27, "second": 21}
